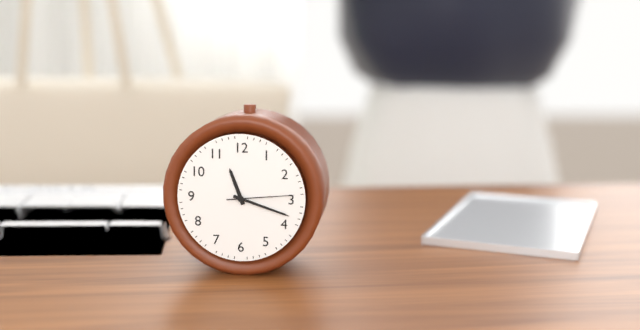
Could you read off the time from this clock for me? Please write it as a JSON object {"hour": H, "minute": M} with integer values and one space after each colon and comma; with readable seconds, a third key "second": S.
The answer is {"hour": 11, "minute": 18, "second": 14}
